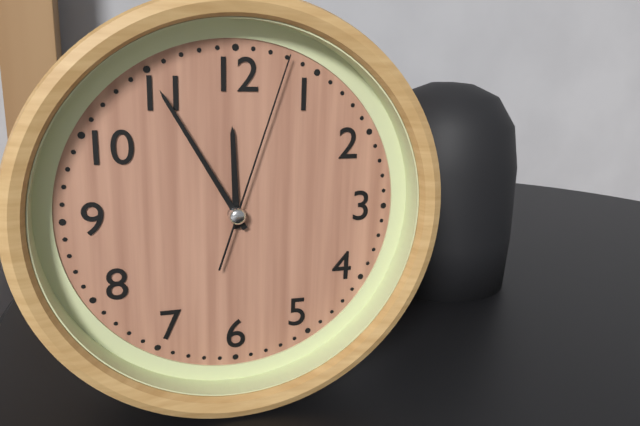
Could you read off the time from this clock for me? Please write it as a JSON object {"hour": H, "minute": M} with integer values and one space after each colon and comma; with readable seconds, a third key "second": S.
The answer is {"hour": 11, "minute": 55, "second": 3}
